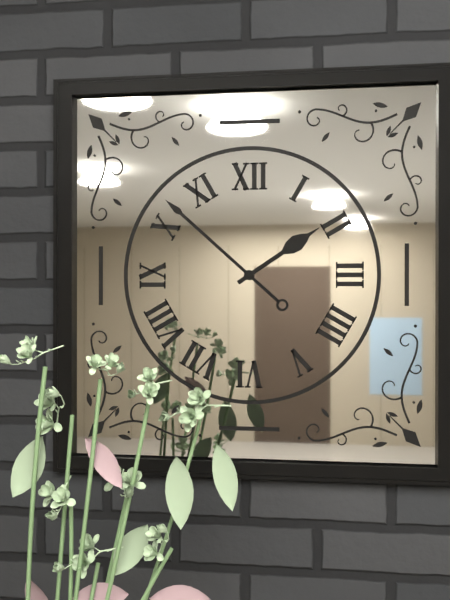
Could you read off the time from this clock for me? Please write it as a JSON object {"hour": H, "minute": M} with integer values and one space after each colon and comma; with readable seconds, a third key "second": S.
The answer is {"hour": 1, "minute": 52}
